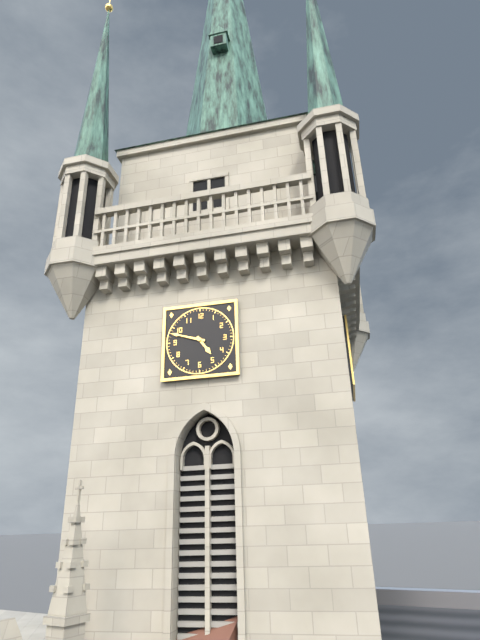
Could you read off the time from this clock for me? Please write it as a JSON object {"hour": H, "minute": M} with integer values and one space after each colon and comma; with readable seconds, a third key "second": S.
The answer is {"hour": 4, "minute": 48}
